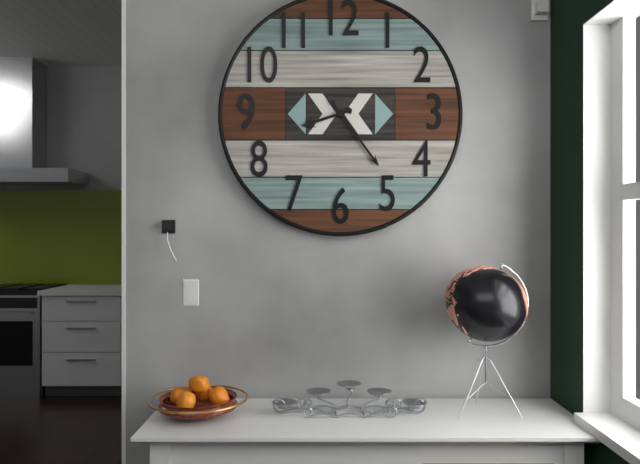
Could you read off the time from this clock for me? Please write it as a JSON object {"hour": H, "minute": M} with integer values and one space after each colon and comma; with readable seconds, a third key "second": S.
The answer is {"hour": 8, "minute": 24}
